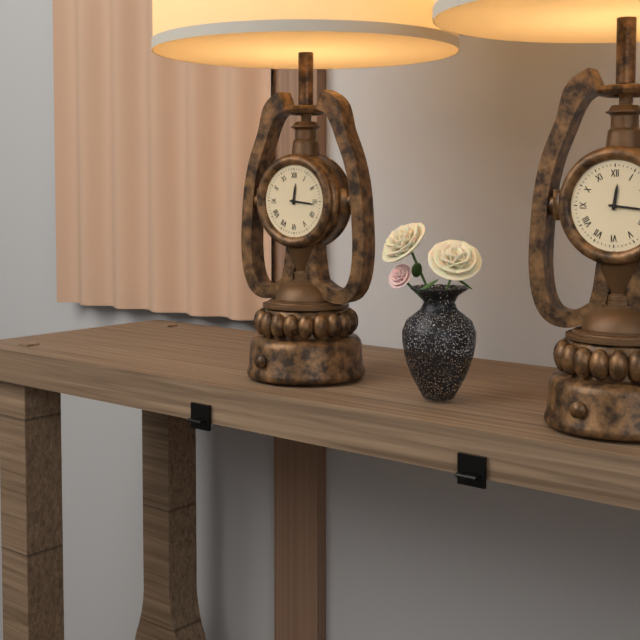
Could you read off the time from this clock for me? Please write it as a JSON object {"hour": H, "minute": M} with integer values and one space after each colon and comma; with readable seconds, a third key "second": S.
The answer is {"hour": 12, "minute": 16}
